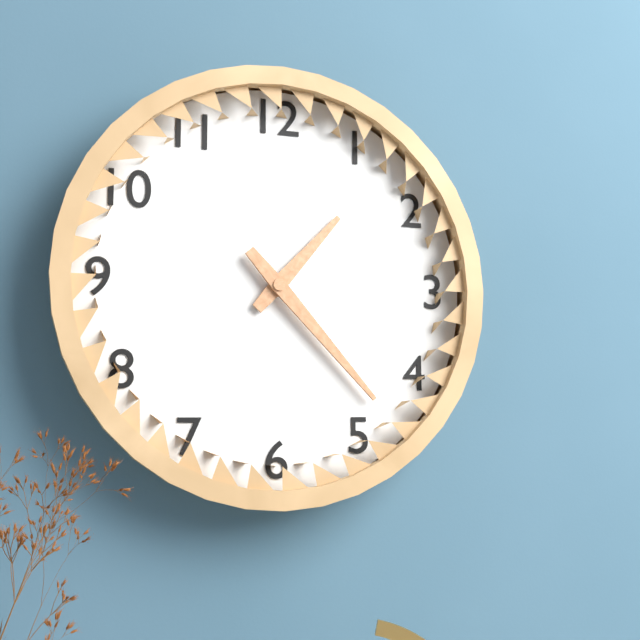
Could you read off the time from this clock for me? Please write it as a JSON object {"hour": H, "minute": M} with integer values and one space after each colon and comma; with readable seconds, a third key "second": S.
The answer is {"hour": 1, "minute": 23}
